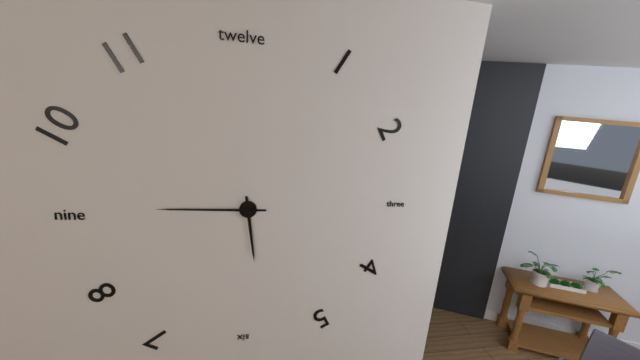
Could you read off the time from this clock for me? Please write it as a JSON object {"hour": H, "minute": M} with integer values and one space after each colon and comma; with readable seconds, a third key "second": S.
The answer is {"hour": 5, "minute": 45}
